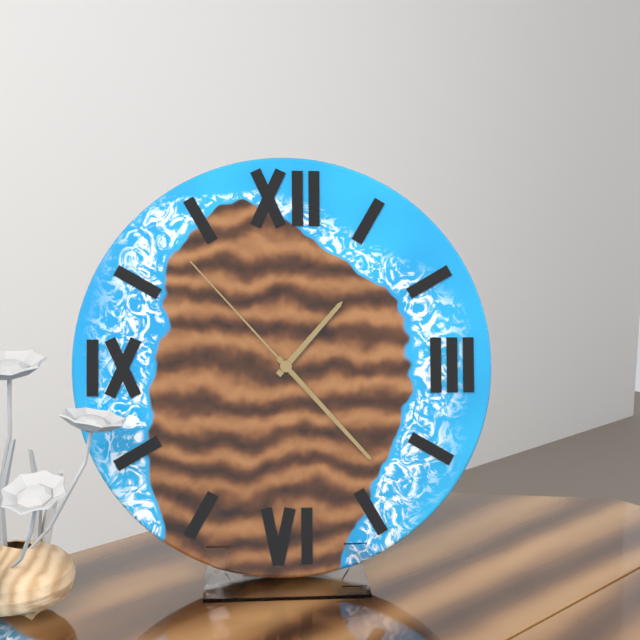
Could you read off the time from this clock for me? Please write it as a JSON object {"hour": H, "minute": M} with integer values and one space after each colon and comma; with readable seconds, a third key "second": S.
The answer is {"hour": 1, "minute": 23, "second": 53}
